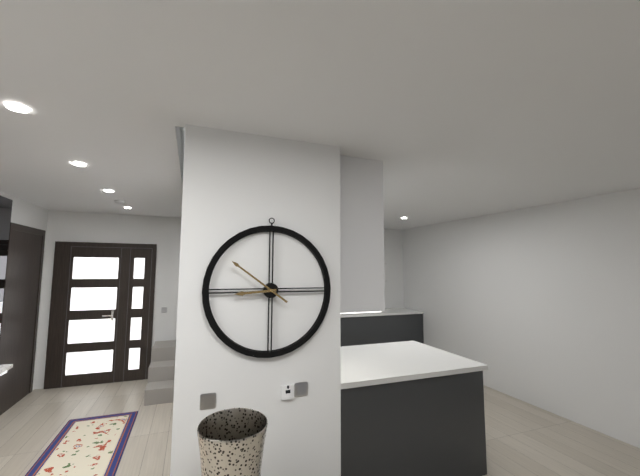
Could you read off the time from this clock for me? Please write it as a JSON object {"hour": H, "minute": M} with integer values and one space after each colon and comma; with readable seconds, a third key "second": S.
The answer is {"hour": 8, "minute": 51}
